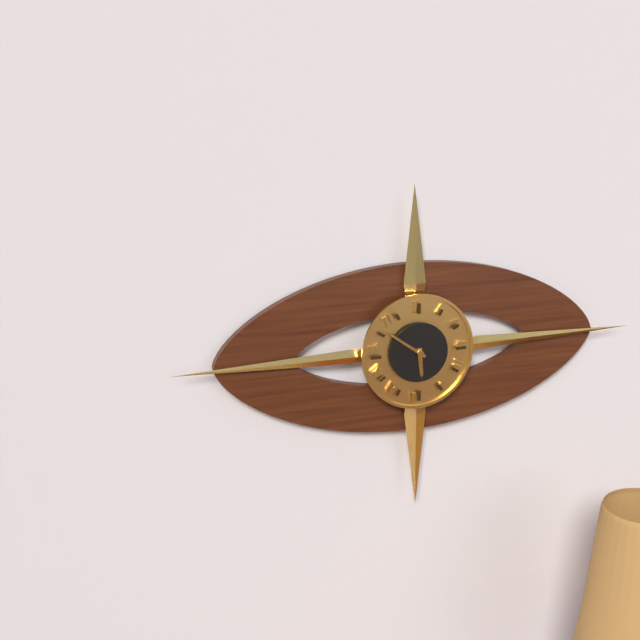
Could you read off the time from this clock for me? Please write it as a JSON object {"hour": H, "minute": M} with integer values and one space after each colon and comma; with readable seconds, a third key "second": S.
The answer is {"hour": 5, "minute": 51}
